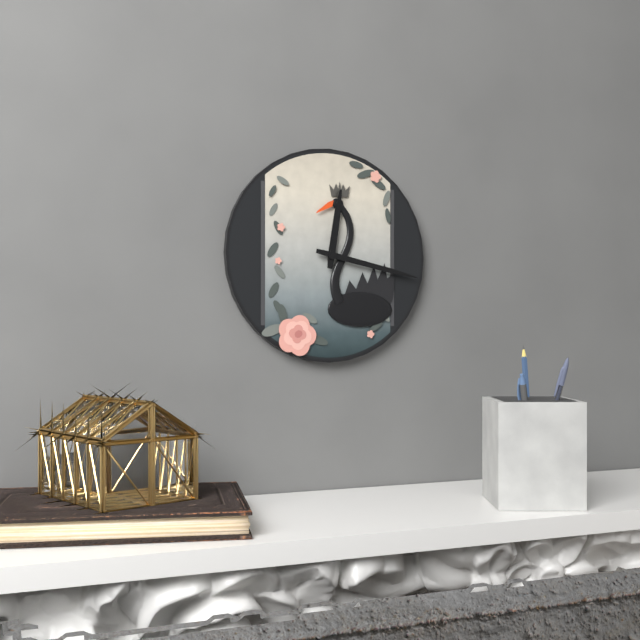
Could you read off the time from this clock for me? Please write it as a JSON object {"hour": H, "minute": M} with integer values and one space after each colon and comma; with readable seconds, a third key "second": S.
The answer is {"hour": 12, "minute": 17}
